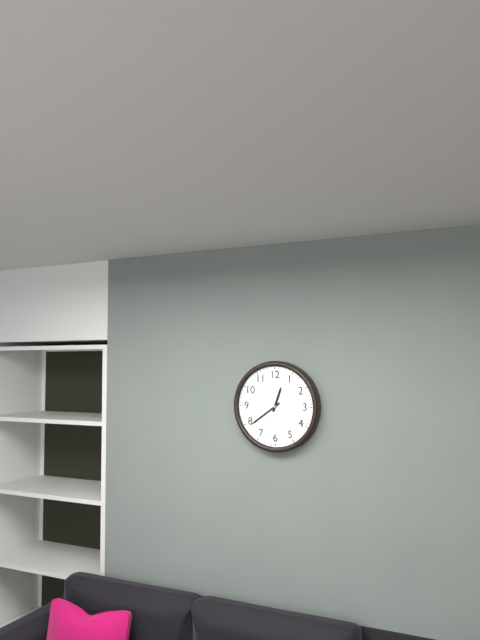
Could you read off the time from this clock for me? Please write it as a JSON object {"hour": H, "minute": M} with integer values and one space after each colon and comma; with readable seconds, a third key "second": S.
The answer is {"hour": 12, "minute": 39}
